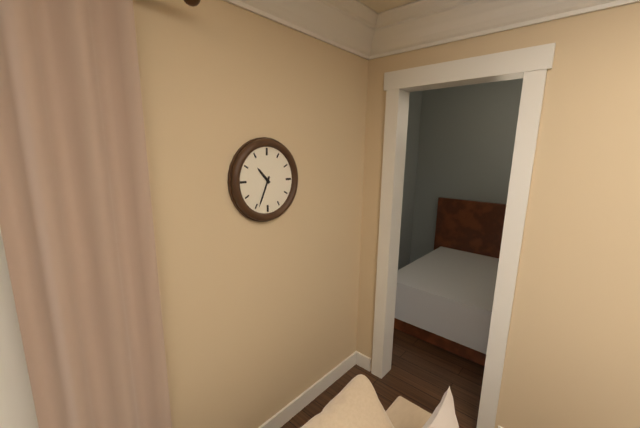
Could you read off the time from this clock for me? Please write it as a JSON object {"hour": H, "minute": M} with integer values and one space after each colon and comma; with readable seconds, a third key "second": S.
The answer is {"hour": 10, "minute": 34}
